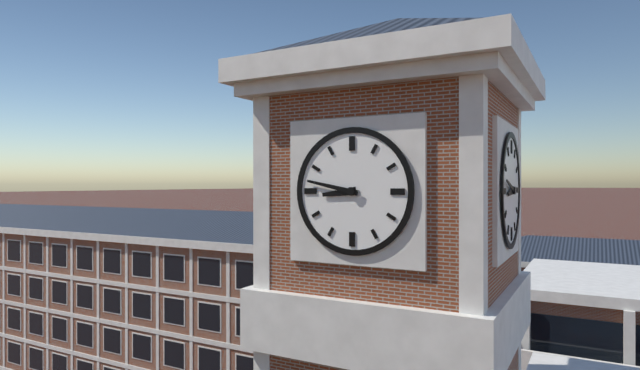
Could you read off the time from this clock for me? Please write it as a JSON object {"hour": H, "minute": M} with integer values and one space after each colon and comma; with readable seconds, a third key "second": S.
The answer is {"hour": 8, "minute": 47}
